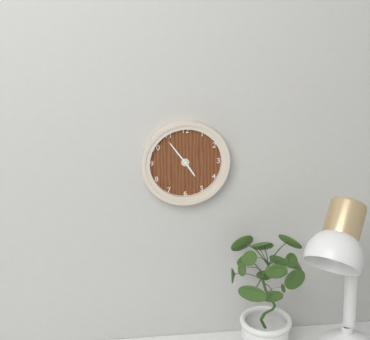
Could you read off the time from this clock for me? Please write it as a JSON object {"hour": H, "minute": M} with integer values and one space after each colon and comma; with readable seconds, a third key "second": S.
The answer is {"hour": 4, "minute": 54}
